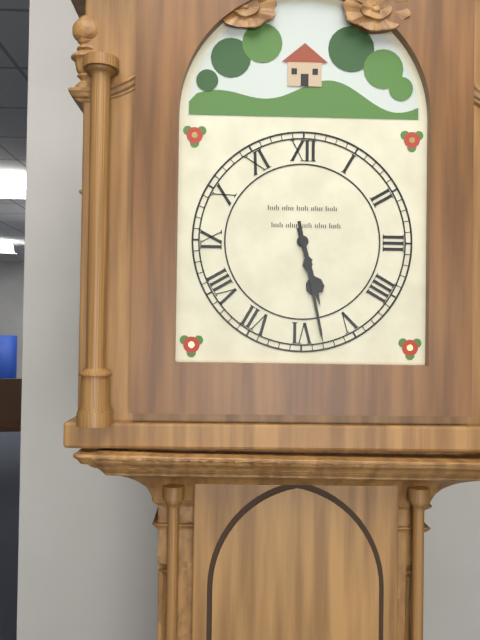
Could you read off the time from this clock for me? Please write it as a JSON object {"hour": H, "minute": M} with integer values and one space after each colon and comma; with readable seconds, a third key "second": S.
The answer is {"hour": 5, "minute": 28}
